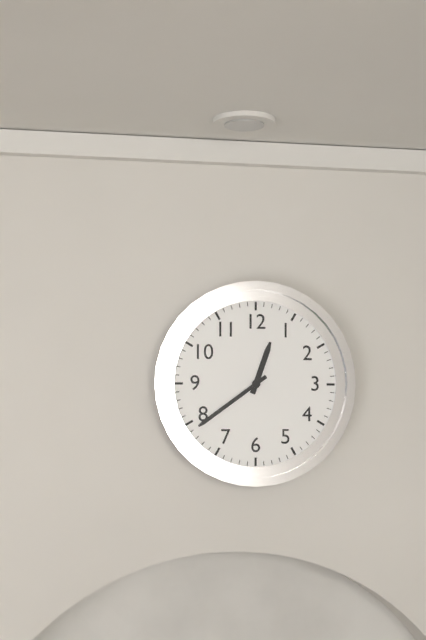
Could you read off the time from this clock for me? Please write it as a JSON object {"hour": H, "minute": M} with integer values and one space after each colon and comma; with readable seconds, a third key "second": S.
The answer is {"hour": 12, "minute": 39}
